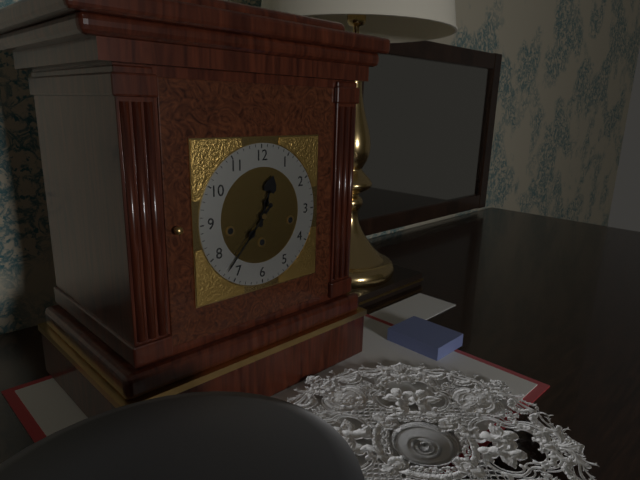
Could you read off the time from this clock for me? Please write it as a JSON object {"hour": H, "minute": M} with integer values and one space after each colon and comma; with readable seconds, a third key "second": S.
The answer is {"hour": 12, "minute": 37}
